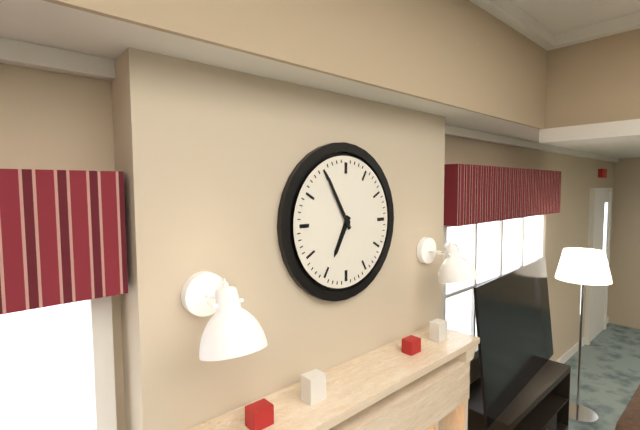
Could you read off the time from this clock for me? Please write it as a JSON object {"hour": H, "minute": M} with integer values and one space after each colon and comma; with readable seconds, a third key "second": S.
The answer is {"hour": 6, "minute": 55}
